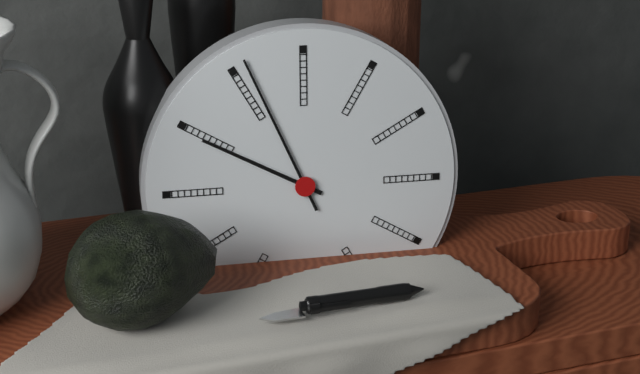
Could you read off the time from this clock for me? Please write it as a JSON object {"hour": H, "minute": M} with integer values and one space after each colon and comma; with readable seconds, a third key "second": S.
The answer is {"hour": 9, "minute": 56}
